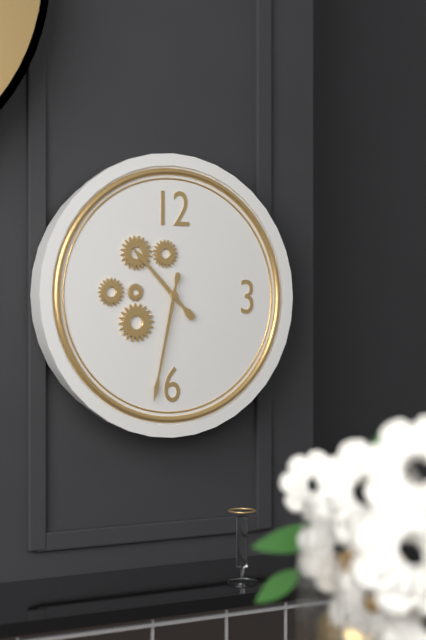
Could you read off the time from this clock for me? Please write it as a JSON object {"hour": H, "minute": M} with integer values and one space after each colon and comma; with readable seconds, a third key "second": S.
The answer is {"hour": 10, "minute": 32}
